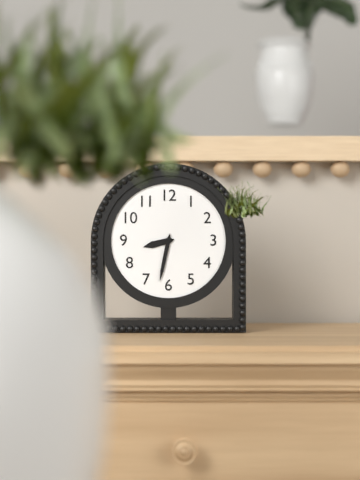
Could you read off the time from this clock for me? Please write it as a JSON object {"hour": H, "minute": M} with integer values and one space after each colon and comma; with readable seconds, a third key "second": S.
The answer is {"hour": 8, "minute": 32}
